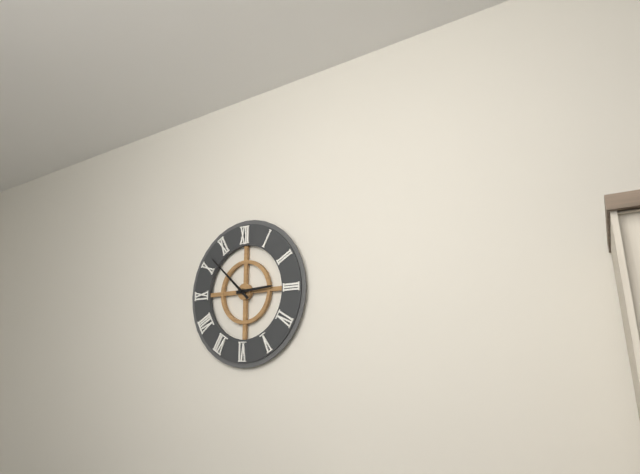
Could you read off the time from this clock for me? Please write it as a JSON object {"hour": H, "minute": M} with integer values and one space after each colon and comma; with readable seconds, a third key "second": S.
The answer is {"hour": 2, "minute": 52}
